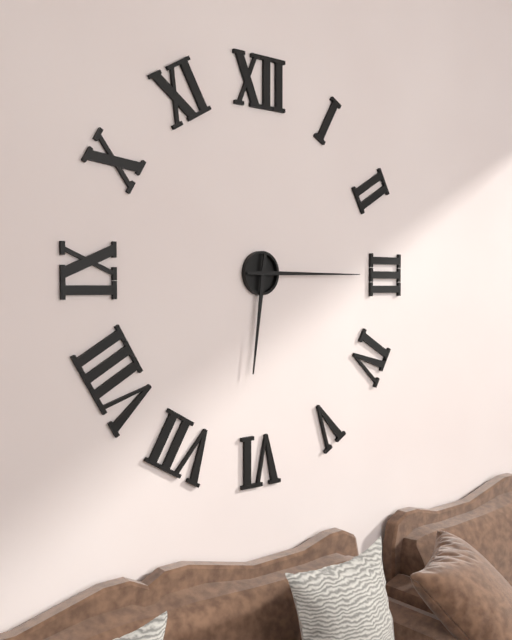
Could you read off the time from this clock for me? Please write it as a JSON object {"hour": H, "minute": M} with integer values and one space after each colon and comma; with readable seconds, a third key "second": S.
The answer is {"hour": 6, "minute": 15}
